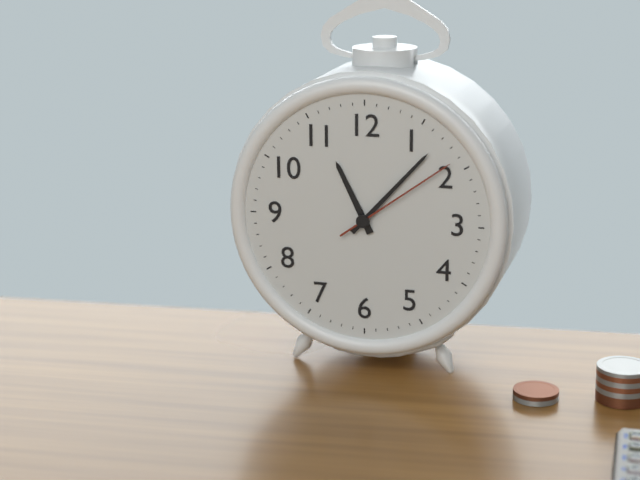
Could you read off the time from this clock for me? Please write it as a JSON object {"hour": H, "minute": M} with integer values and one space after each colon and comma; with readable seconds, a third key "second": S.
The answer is {"hour": 11, "minute": 7, "second": 9}
